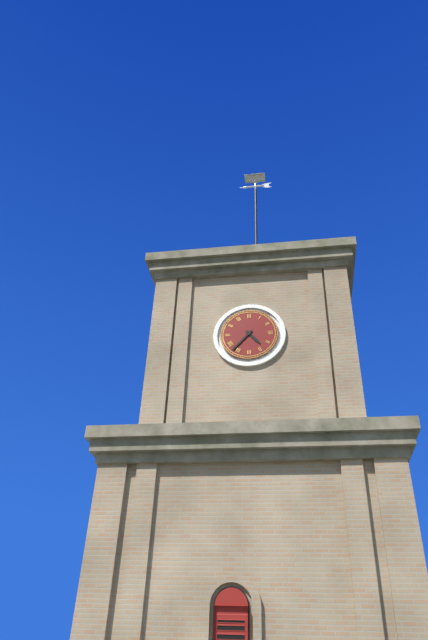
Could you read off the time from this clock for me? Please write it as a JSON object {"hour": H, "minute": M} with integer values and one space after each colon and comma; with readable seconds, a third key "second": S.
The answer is {"hour": 4, "minute": 37}
